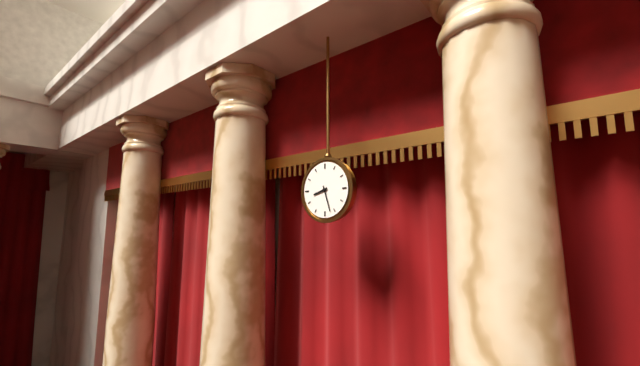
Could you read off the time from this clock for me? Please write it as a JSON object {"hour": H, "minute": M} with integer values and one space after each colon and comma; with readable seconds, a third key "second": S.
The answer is {"hour": 8, "minute": 27}
